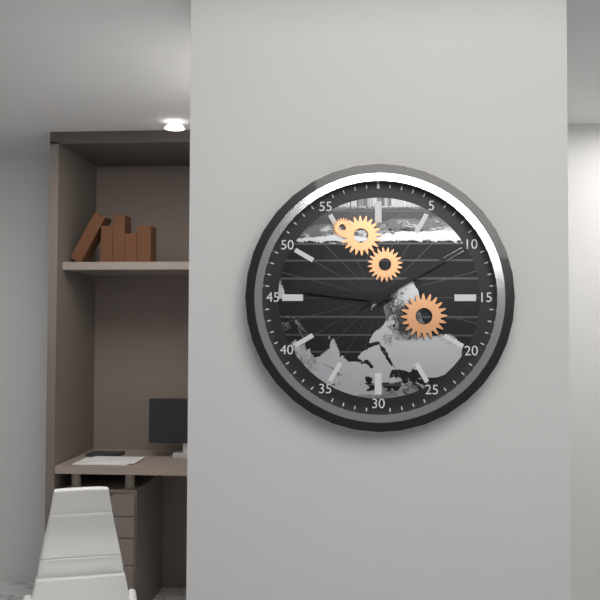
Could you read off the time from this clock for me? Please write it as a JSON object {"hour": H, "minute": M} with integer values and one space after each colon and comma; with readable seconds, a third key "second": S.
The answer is {"hour": 9, "minute": 10}
